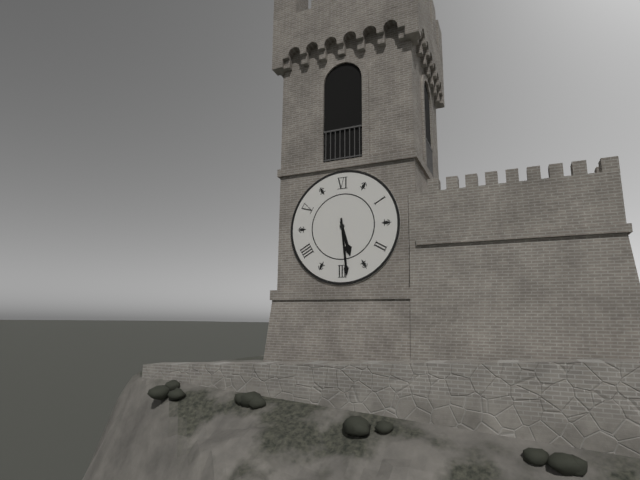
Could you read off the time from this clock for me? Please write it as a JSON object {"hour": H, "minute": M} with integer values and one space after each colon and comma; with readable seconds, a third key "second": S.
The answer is {"hour": 5, "minute": 29}
